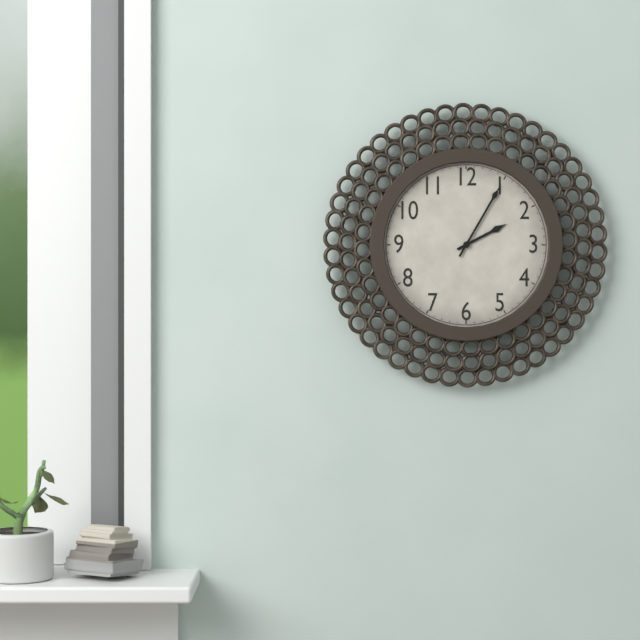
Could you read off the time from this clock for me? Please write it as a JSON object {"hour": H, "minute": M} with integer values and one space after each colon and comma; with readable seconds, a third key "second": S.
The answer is {"hour": 2, "minute": 5}
